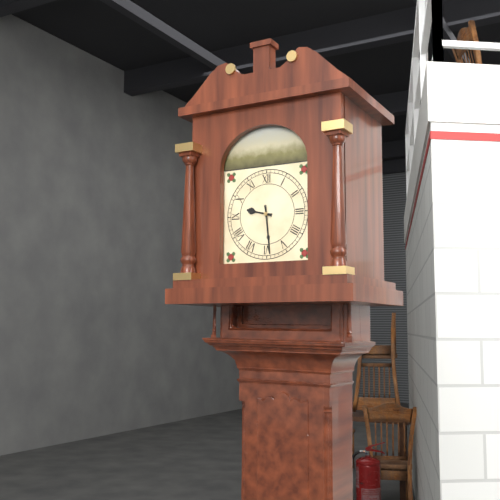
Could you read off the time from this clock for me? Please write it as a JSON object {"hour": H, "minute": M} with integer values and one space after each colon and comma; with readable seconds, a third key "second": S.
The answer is {"hour": 9, "minute": 29}
